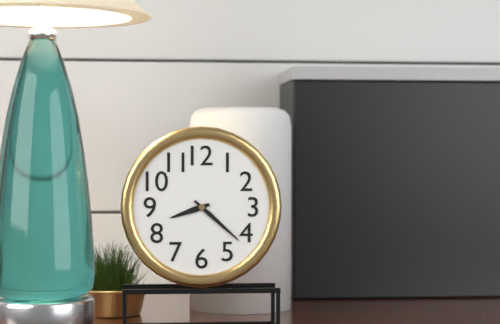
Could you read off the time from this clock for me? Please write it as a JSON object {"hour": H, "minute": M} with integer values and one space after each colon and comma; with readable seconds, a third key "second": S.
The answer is {"hour": 8, "minute": 22}
